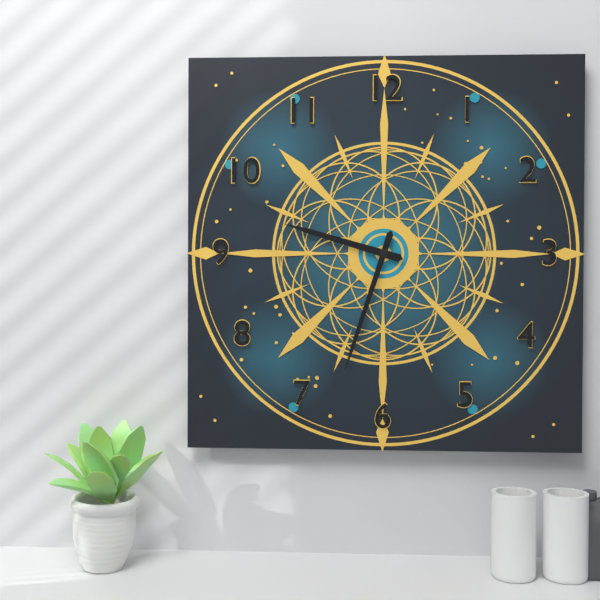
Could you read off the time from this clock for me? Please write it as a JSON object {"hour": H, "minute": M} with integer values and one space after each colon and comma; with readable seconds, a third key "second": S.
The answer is {"hour": 9, "minute": 33}
